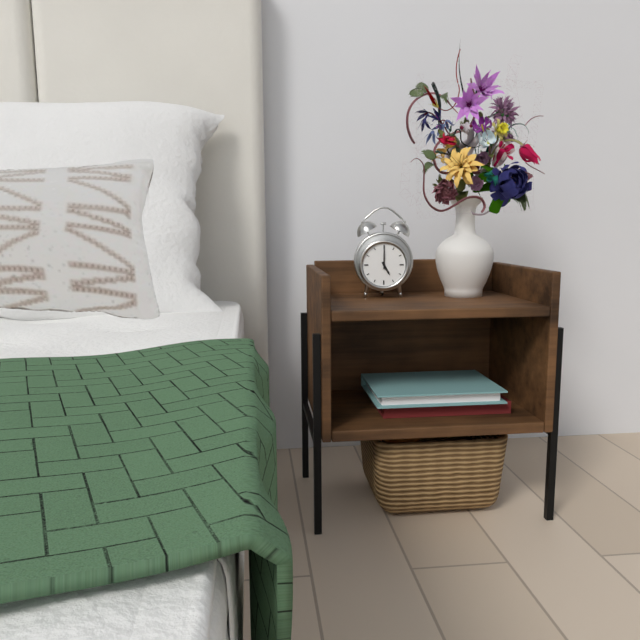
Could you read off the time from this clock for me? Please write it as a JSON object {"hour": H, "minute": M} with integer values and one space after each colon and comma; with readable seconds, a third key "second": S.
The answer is {"hour": 5, "minute": 0}
